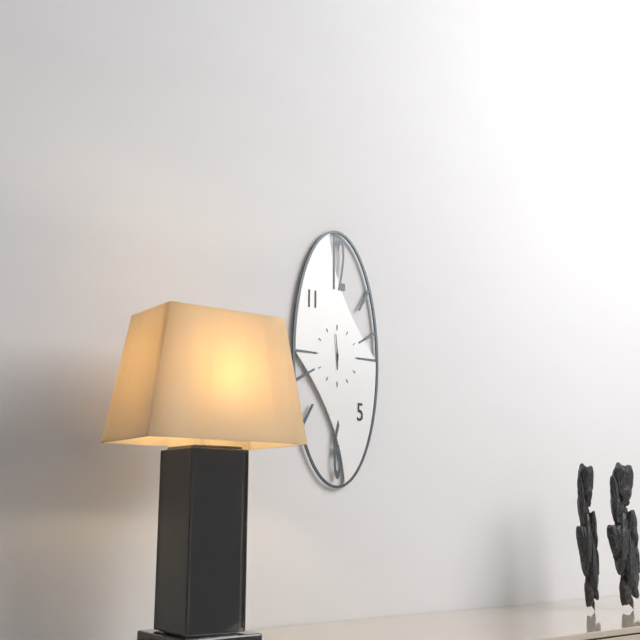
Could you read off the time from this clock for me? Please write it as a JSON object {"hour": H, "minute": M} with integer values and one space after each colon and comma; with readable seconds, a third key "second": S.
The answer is {"hour": 5, "minute": 59}
